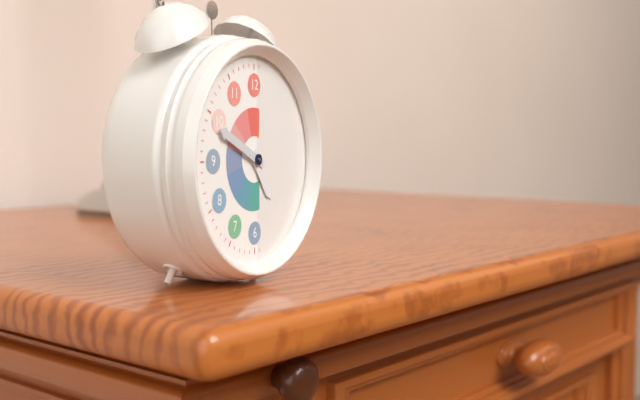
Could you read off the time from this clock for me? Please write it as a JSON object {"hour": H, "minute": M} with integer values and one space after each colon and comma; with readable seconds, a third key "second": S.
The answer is {"hour": 4, "minute": 49}
